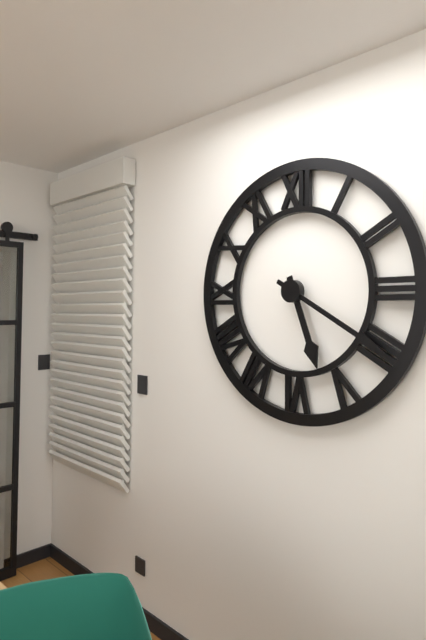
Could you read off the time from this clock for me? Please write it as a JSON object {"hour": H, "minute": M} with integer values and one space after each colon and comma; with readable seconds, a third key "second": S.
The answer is {"hour": 5, "minute": 20}
